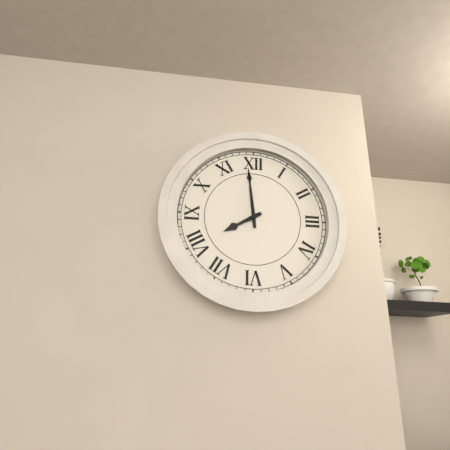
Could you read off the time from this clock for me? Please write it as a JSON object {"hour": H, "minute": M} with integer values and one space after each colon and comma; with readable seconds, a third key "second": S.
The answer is {"hour": 7, "minute": 59}
